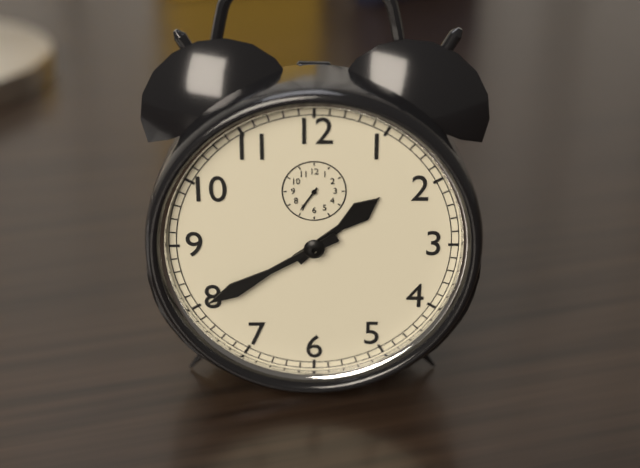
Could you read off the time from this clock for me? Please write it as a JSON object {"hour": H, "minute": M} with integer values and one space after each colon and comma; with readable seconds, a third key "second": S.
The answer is {"hour": 1, "minute": 40}
